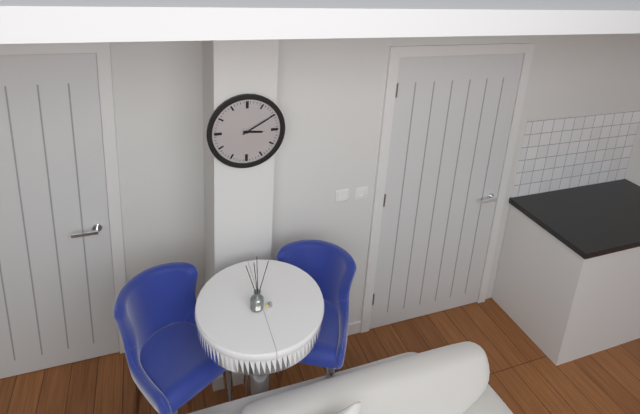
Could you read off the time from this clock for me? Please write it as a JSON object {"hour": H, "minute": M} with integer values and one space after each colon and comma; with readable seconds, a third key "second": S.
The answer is {"hour": 3, "minute": 10}
